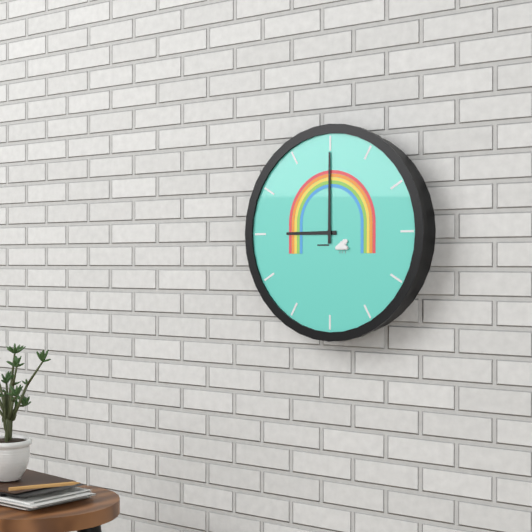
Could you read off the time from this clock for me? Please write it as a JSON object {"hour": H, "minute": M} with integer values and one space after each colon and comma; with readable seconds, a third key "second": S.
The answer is {"hour": 9, "minute": 0}
